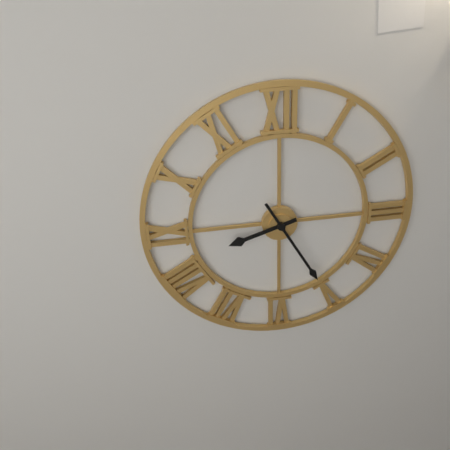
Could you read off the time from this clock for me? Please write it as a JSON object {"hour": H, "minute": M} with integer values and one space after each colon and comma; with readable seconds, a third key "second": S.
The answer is {"hour": 8, "minute": 25}
